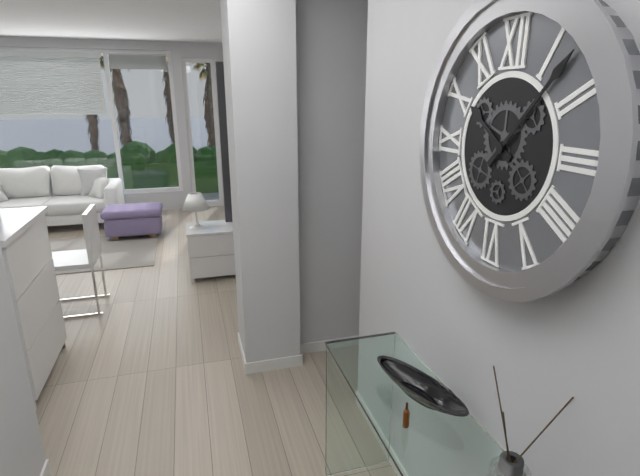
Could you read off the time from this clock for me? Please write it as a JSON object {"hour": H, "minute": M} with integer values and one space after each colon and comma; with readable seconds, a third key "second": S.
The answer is {"hour": 10, "minute": 7}
